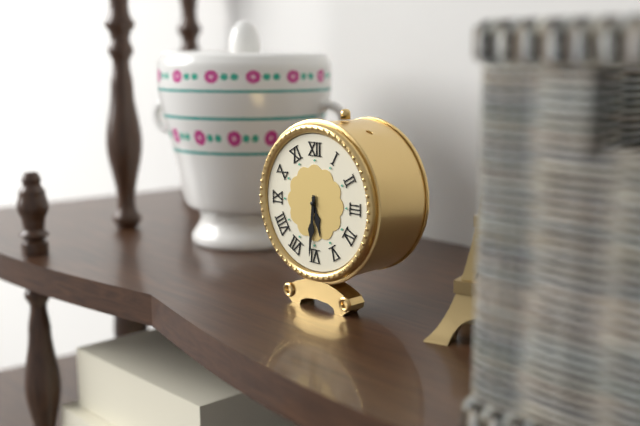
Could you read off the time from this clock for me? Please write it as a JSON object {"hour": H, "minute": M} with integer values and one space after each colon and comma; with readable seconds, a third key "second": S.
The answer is {"hour": 5, "minute": 31}
